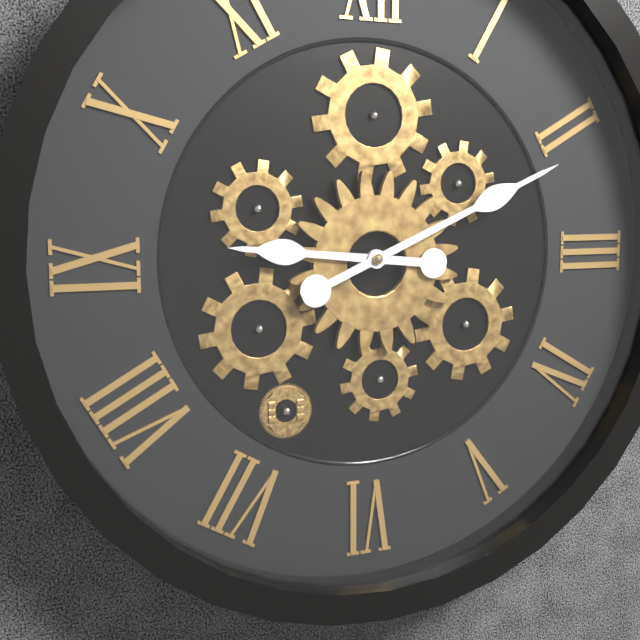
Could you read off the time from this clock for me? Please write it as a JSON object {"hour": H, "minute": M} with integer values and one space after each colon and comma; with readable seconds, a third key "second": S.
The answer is {"hour": 9, "minute": 11}
